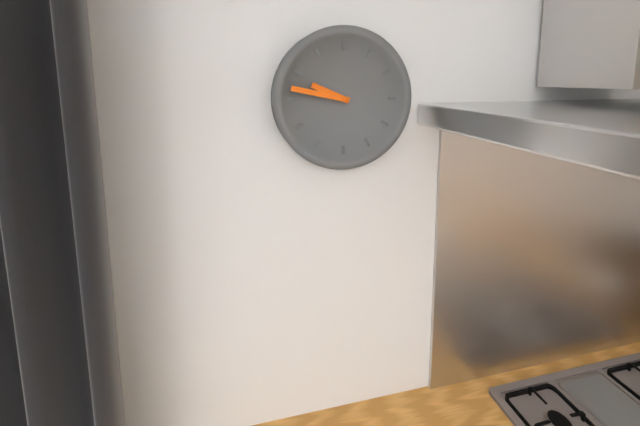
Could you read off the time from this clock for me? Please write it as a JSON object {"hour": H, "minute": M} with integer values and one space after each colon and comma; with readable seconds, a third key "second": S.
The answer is {"hour": 9, "minute": 47}
